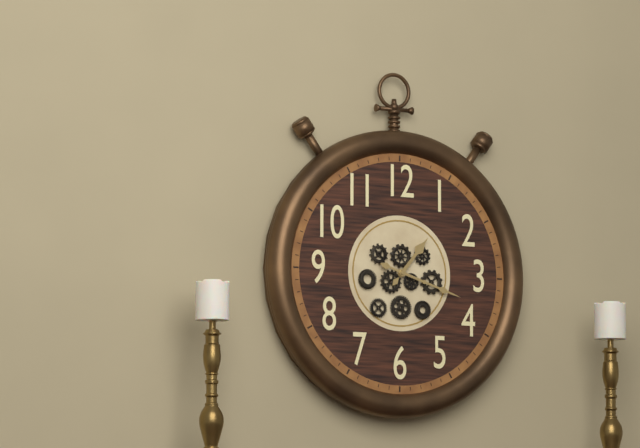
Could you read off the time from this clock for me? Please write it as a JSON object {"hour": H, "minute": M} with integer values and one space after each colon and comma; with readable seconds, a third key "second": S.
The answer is {"hour": 1, "minute": 18}
